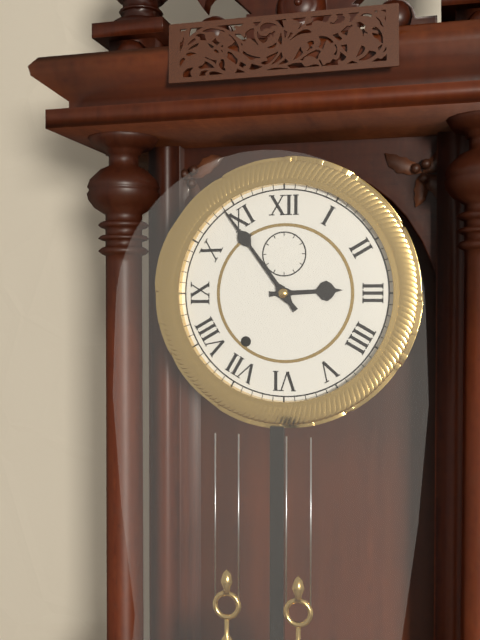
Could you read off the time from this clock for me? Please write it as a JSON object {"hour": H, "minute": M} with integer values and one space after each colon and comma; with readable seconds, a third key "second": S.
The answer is {"hour": 2, "minute": 54}
